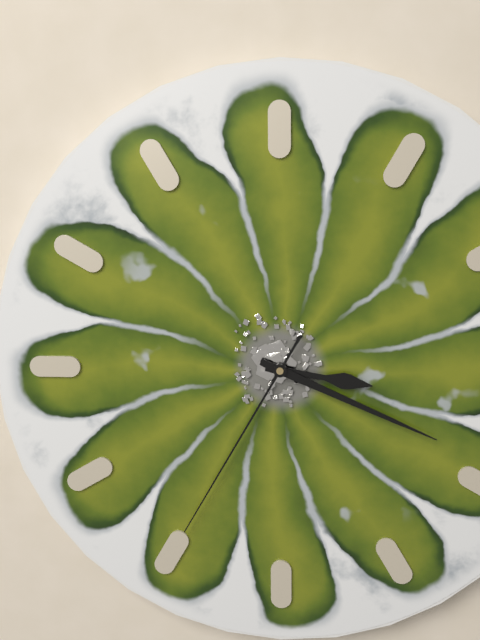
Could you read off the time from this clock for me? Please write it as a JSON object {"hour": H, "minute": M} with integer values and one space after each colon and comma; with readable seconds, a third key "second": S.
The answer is {"hour": 3, "minute": 19, "second": 35}
